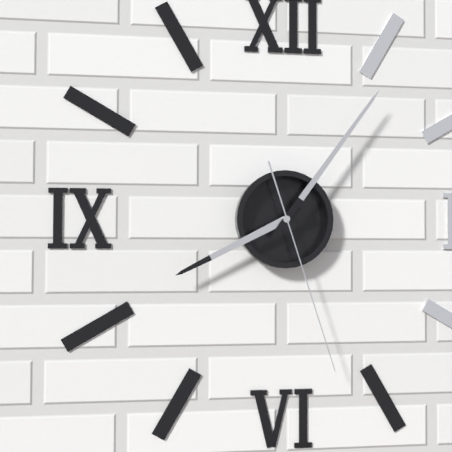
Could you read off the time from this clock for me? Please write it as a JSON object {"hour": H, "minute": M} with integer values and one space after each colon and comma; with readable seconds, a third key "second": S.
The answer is {"hour": 8, "minute": 6, "second": 27}
